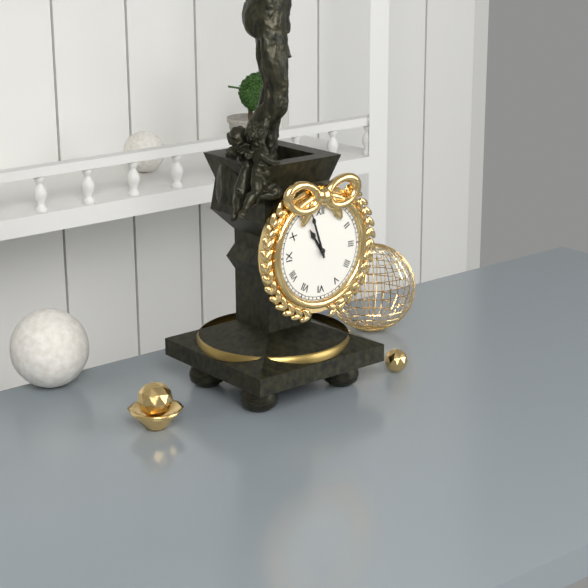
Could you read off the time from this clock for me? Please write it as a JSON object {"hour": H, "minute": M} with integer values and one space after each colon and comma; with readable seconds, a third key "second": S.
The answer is {"hour": 10, "minute": 57}
